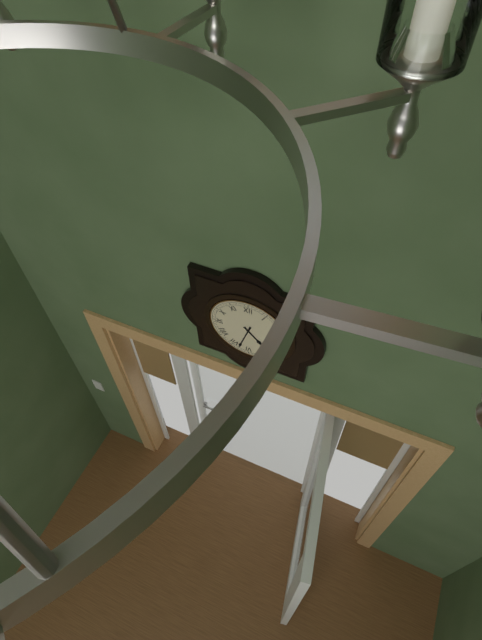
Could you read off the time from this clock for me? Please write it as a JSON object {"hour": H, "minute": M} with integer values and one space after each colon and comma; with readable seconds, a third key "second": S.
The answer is {"hour": 4, "minute": 33}
